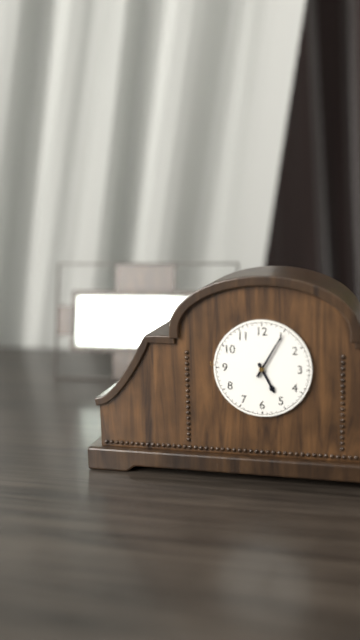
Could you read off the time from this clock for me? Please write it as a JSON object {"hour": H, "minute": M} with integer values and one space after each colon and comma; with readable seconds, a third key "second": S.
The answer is {"hour": 5, "minute": 5}
